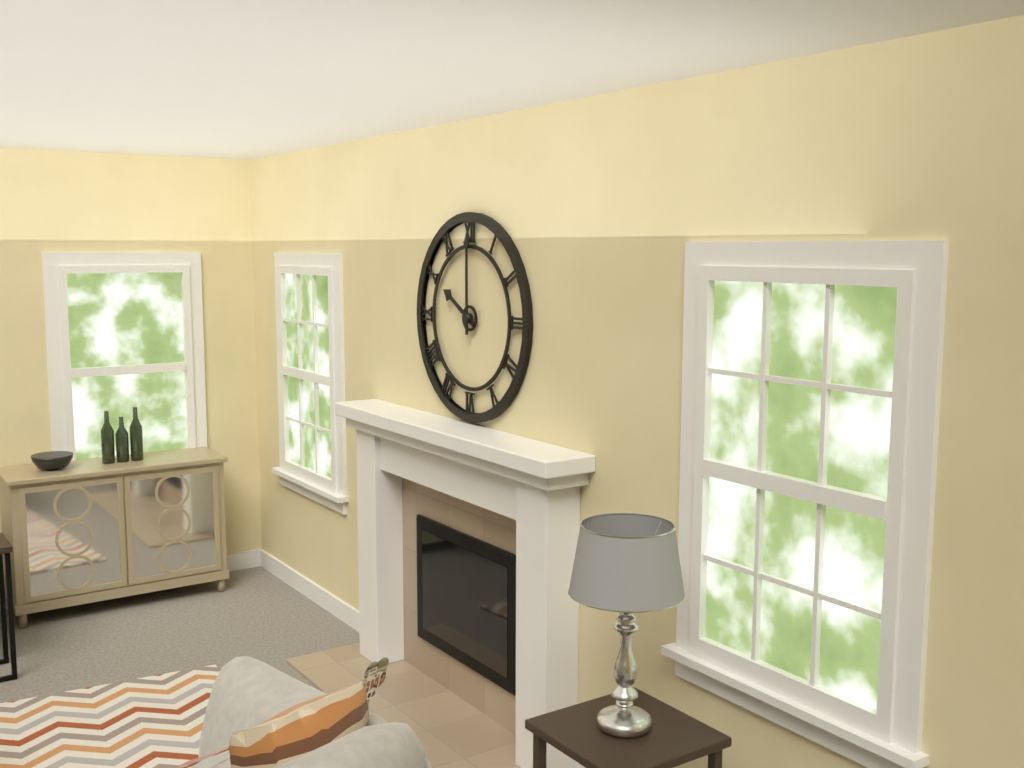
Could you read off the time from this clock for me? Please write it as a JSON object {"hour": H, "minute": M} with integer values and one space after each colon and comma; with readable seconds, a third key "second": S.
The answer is {"hour": 10, "minute": 0}
